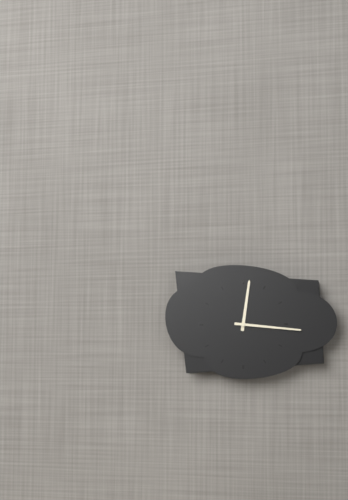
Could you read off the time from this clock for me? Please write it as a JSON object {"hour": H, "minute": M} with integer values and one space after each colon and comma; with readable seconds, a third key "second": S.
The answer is {"hour": 12, "minute": 16}
